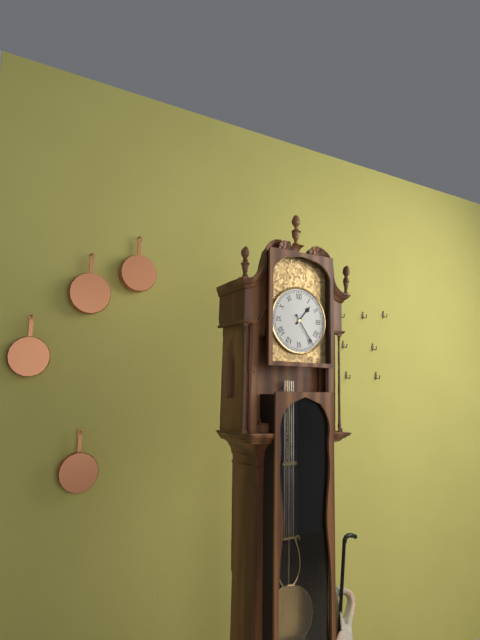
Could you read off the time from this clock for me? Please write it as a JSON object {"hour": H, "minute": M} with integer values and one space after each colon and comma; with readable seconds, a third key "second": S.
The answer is {"hour": 1, "minute": 24}
